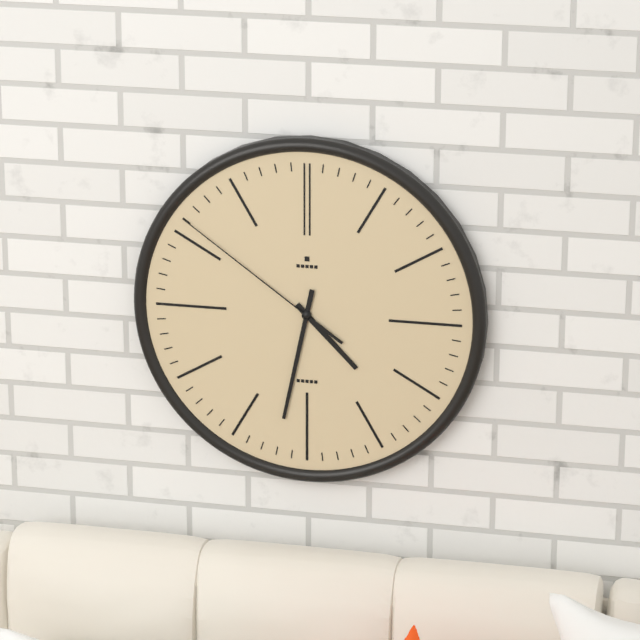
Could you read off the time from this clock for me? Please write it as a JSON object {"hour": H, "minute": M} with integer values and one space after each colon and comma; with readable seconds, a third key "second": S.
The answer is {"hour": 4, "minute": 32, "second": 51}
